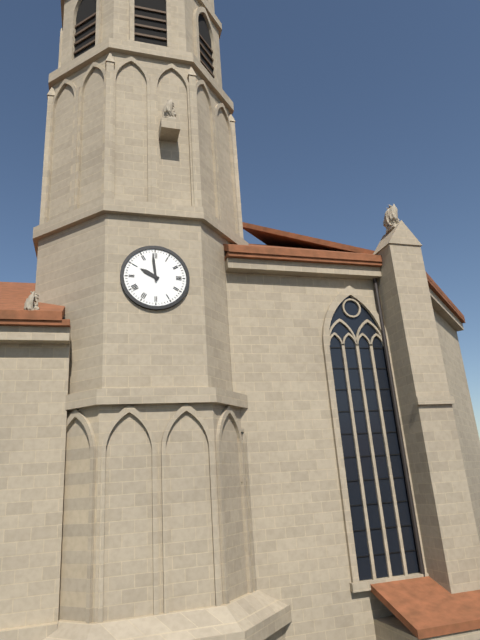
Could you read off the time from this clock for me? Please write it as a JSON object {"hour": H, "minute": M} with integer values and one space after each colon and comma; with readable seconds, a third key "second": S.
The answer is {"hour": 9, "minute": 59}
